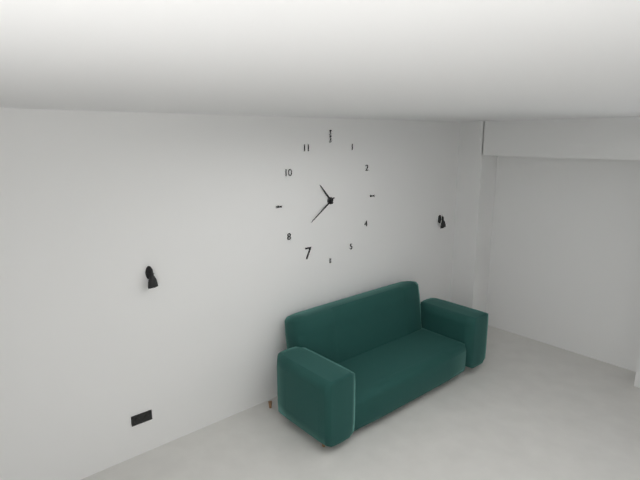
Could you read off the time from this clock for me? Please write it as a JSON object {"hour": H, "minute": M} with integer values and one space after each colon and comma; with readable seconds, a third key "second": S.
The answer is {"hour": 10, "minute": 39}
